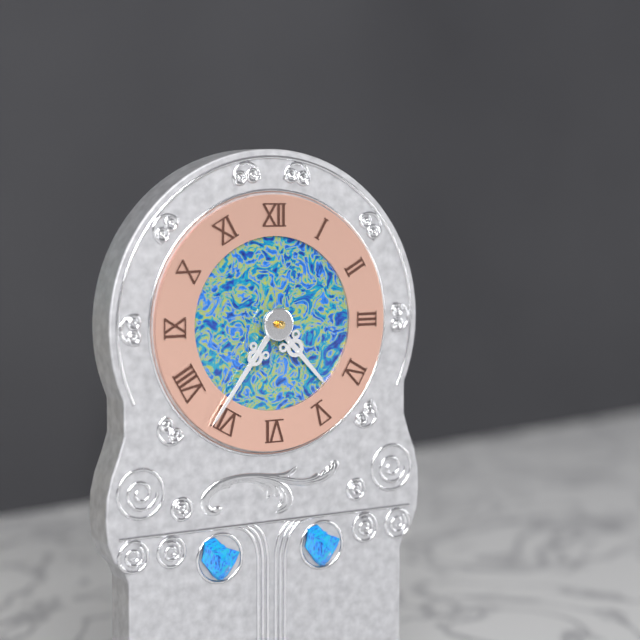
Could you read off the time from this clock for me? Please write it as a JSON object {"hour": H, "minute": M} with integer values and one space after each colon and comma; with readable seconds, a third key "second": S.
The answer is {"hour": 4, "minute": 36}
